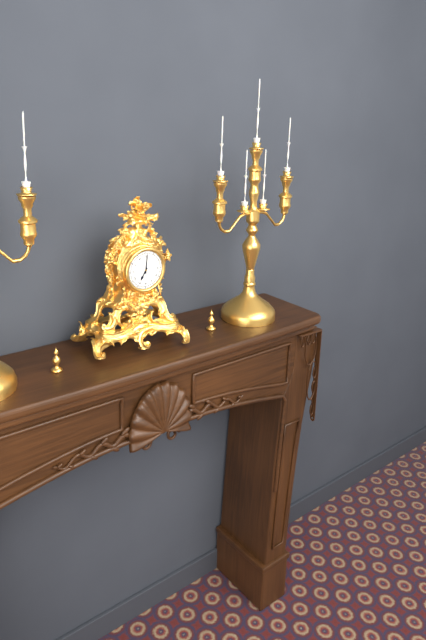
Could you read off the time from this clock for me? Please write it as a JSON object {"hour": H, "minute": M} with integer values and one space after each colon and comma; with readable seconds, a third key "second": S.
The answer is {"hour": 7, "minute": 1}
